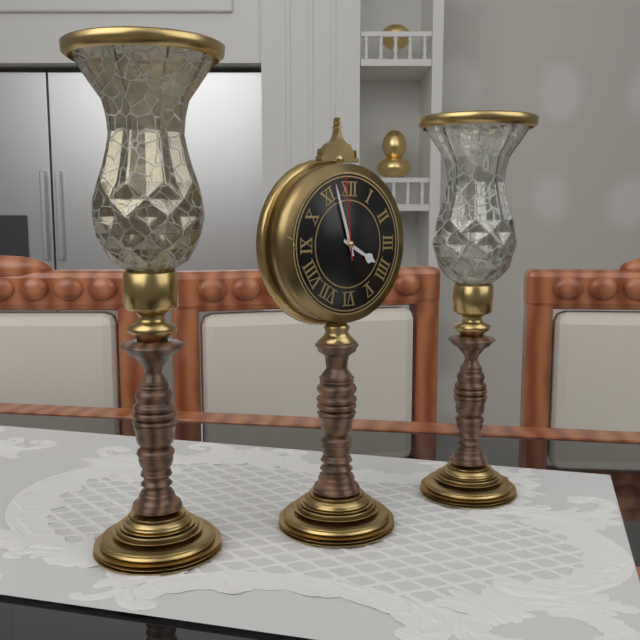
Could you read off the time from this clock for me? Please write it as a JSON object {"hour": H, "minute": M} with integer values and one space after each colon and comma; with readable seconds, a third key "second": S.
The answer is {"hour": 3, "minute": 57, "second": 59}
